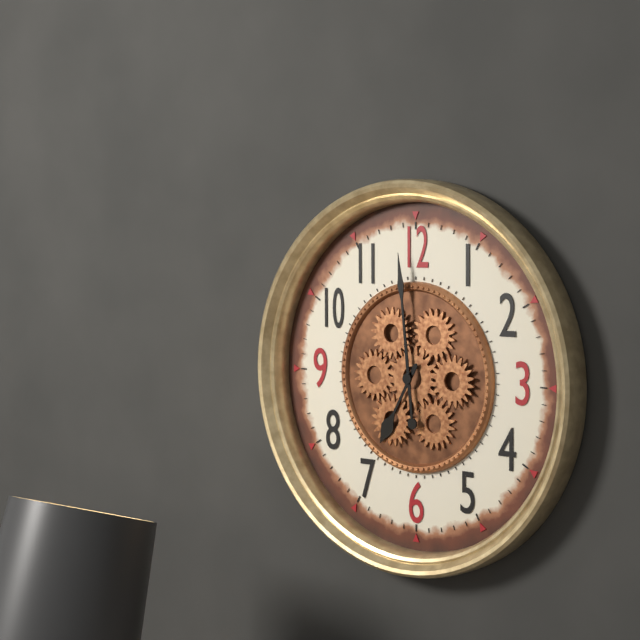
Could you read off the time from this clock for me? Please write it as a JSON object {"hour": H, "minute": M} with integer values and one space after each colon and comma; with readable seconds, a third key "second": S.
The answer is {"hour": 6, "minute": 59}
